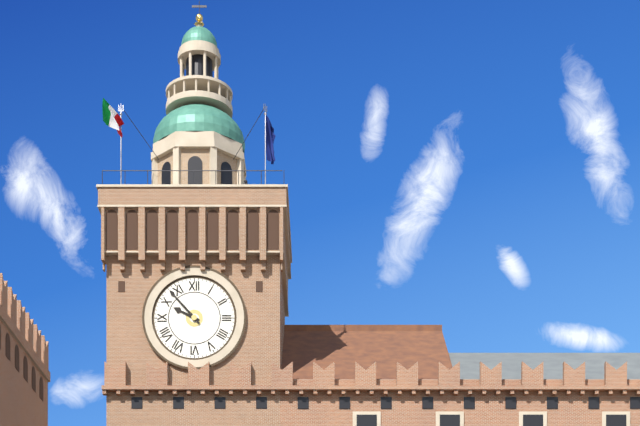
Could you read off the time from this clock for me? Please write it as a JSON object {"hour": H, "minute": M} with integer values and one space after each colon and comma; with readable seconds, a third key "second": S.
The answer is {"hour": 9, "minute": 53}
